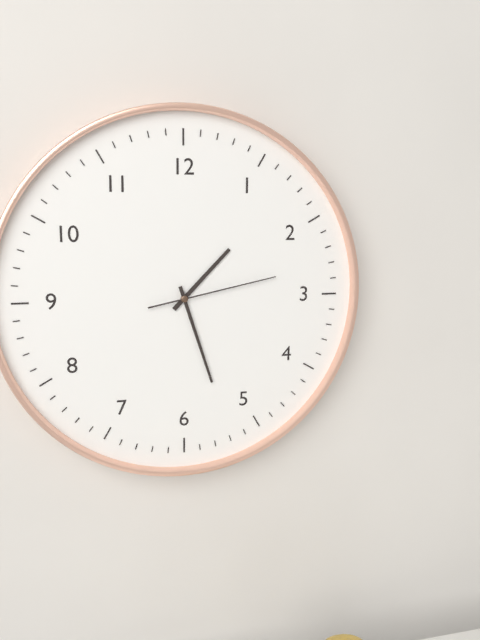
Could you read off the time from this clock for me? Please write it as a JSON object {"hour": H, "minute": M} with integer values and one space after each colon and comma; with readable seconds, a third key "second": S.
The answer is {"hour": 1, "minute": 27, "second": 13}
